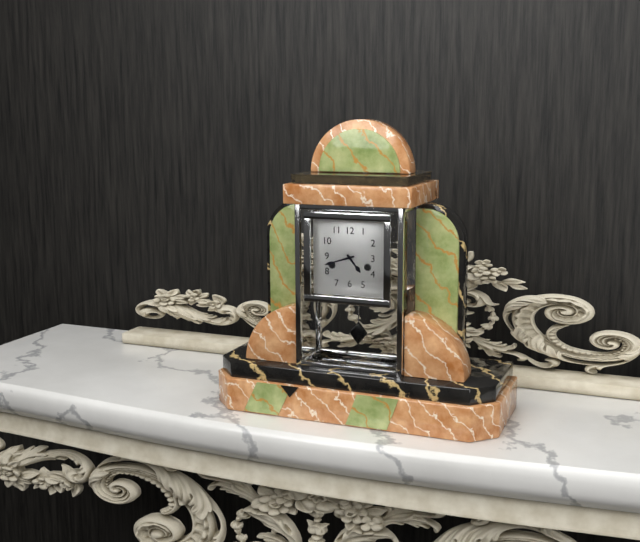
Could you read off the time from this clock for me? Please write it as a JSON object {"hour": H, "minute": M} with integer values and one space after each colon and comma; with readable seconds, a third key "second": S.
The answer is {"hour": 4, "minute": 42}
